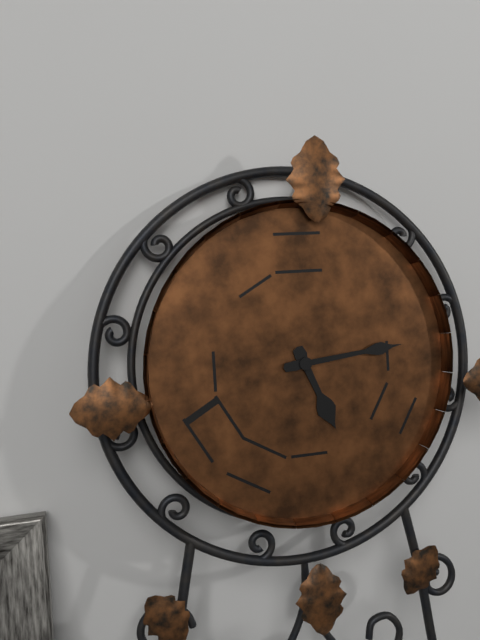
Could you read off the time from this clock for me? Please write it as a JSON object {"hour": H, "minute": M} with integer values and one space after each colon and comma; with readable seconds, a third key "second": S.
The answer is {"hour": 5, "minute": 14}
